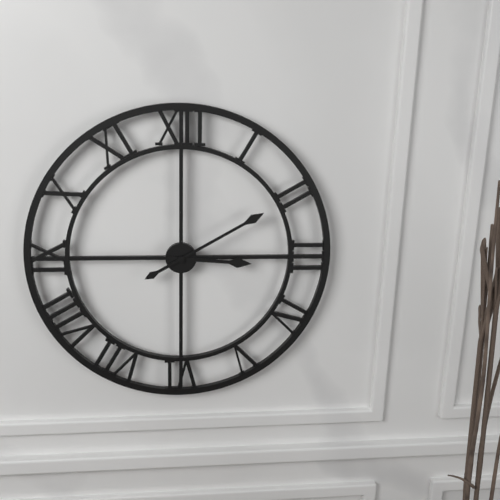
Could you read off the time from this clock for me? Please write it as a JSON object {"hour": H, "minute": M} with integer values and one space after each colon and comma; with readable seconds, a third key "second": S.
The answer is {"hour": 3, "minute": 10}
